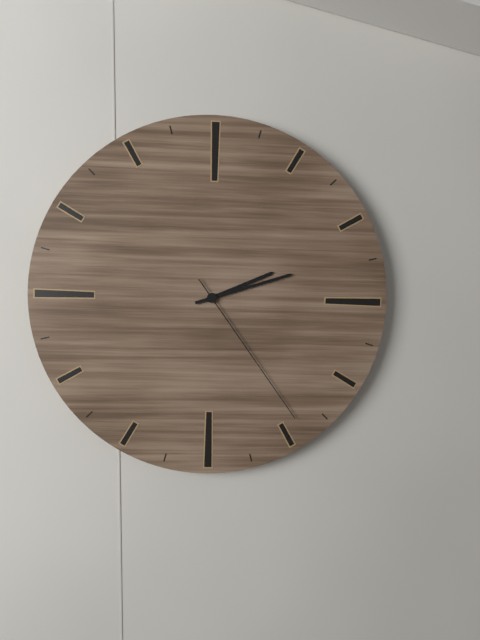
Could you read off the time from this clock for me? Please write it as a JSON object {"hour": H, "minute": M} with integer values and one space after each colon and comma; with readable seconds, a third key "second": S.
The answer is {"hour": 2, "minute": 12, "second": 24}
